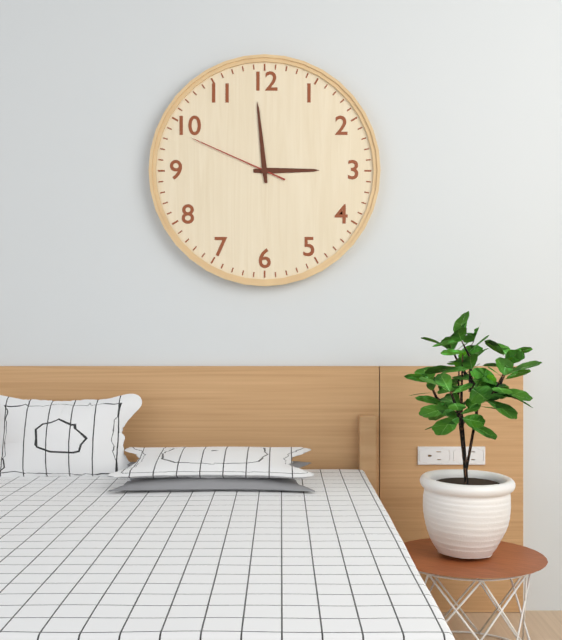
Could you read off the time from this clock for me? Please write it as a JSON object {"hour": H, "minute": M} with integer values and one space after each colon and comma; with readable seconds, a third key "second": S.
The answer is {"hour": 2, "minute": 59, "second": 49}
